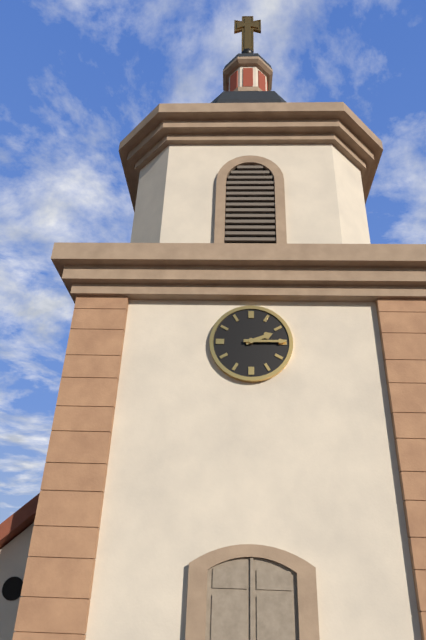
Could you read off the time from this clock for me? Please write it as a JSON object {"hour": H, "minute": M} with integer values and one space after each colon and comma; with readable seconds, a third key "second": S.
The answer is {"hour": 2, "minute": 15}
